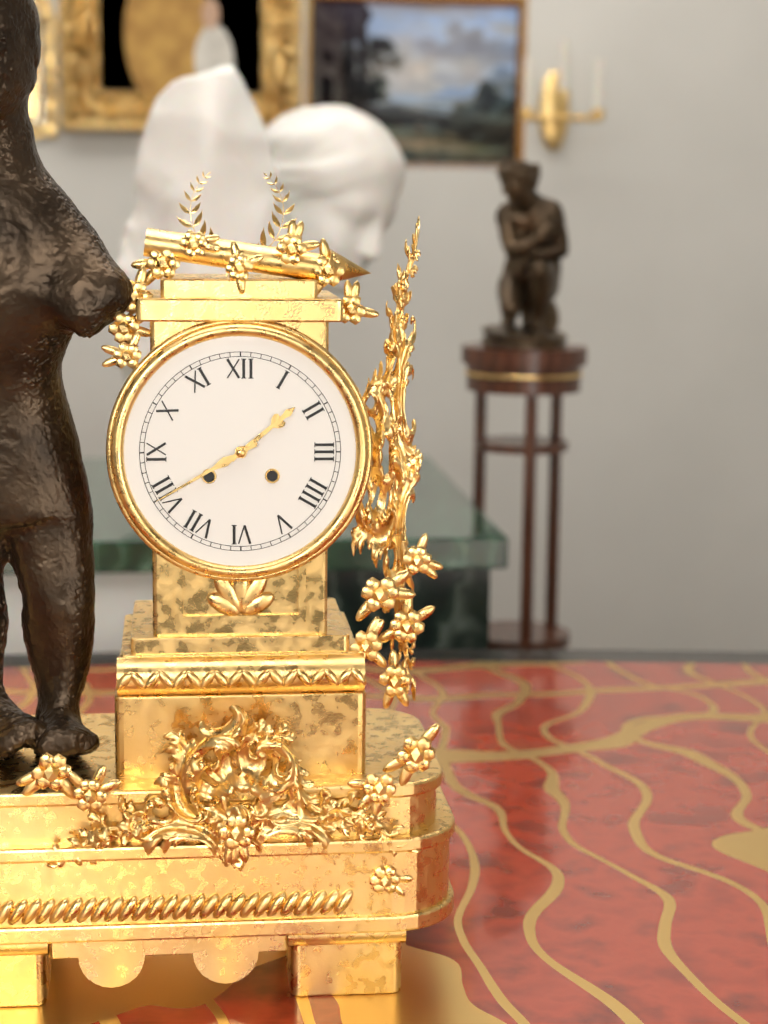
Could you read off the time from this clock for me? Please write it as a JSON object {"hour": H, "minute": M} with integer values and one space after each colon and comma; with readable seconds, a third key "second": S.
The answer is {"hour": 1, "minute": 40}
